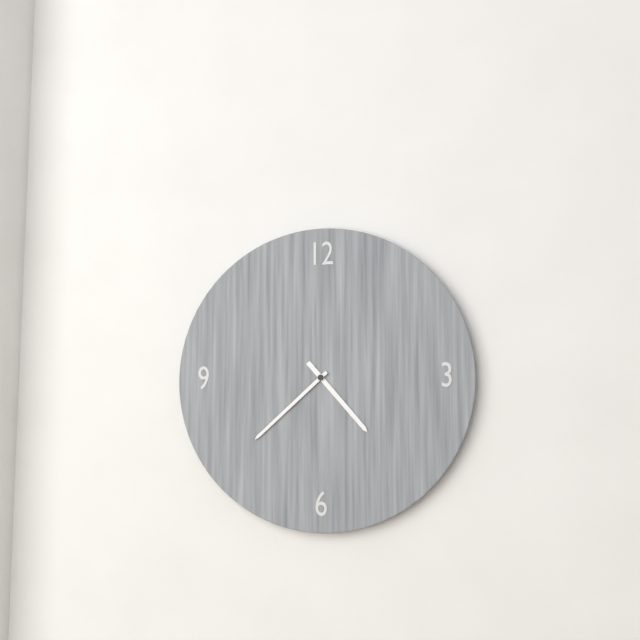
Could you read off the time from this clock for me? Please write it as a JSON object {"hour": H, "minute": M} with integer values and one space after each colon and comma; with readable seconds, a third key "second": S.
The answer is {"hour": 4, "minute": 38}
